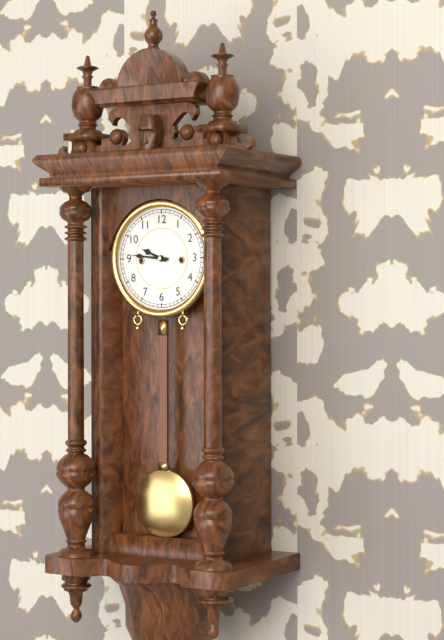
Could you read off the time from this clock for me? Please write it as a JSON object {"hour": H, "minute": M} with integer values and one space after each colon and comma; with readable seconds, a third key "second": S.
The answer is {"hour": 9, "minute": 46}
